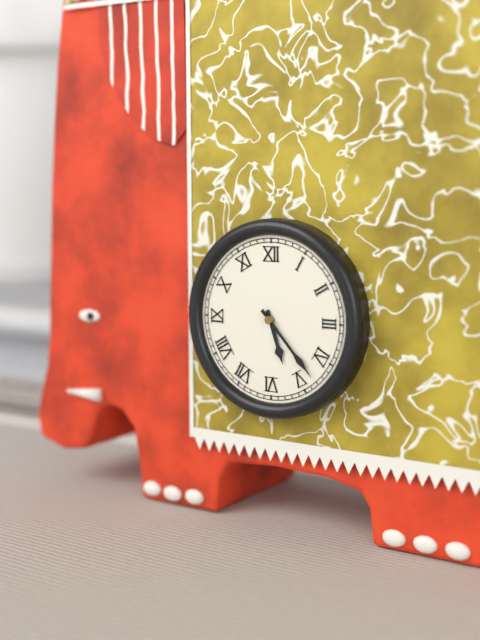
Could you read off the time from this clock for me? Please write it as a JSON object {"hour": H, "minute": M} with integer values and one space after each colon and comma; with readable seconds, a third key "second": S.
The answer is {"hour": 5, "minute": 23}
